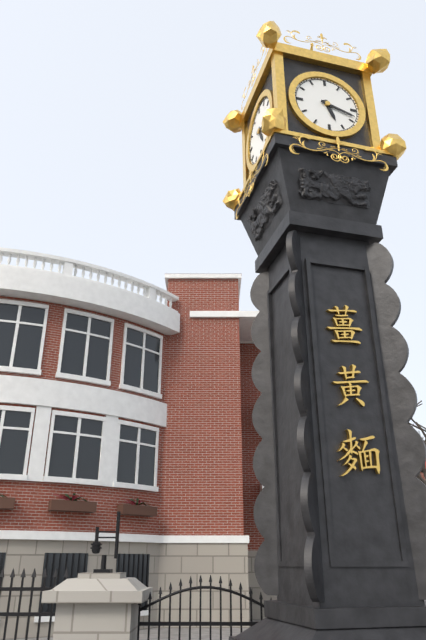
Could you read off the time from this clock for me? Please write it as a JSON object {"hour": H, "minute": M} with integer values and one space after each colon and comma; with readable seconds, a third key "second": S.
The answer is {"hour": 5, "minute": 18}
